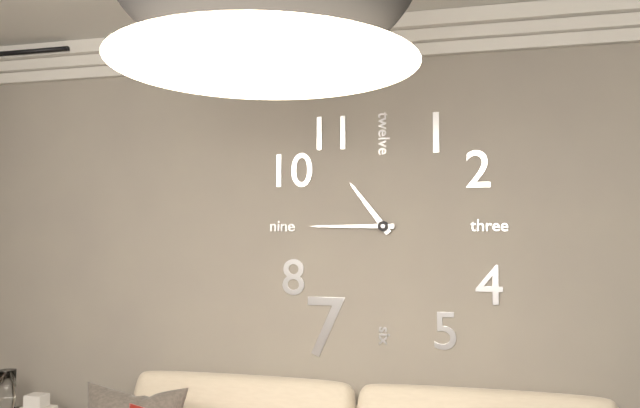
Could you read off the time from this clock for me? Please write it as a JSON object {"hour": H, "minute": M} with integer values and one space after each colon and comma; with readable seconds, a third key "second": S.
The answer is {"hour": 10, "minute": 45}
